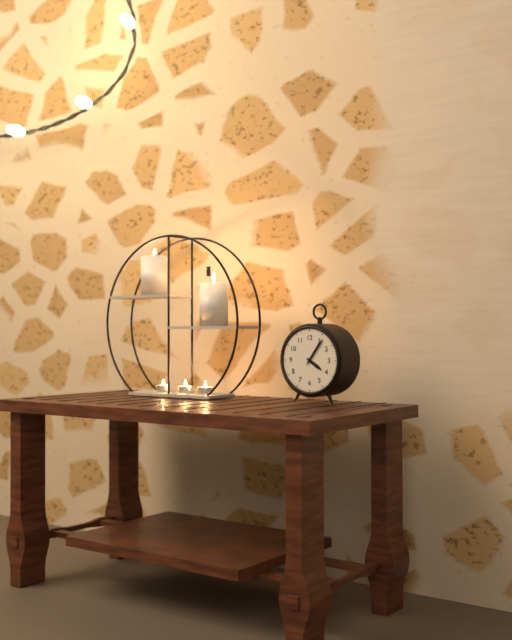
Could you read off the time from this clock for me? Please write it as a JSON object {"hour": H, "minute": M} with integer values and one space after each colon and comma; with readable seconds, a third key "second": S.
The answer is {"hour": 4, "minute": 6}
